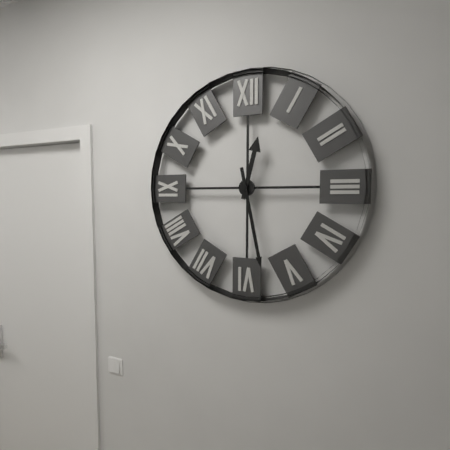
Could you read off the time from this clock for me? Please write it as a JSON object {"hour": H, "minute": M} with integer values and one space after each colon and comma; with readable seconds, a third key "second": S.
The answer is {"hour": 12, "minute": 28}
